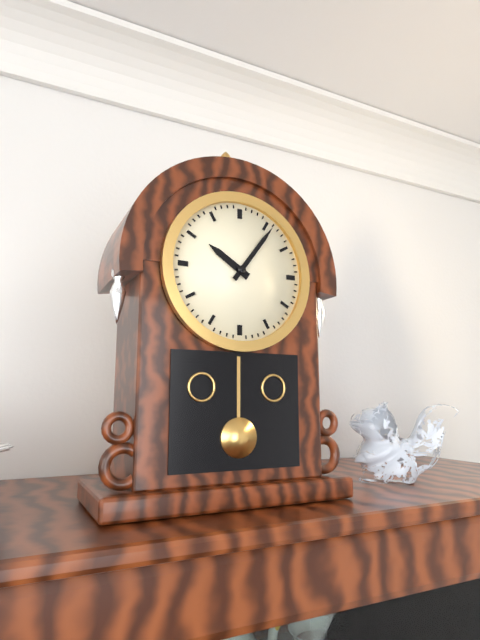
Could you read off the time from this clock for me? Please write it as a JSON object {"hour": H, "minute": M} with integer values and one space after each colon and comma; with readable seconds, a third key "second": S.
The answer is {"hour": 10, "minute": 6}
